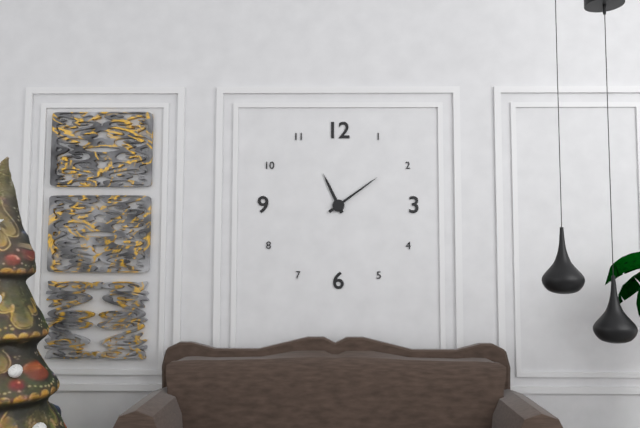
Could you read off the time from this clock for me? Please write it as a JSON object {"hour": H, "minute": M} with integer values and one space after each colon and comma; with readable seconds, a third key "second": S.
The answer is {"hour": 11, "minute": 9}
